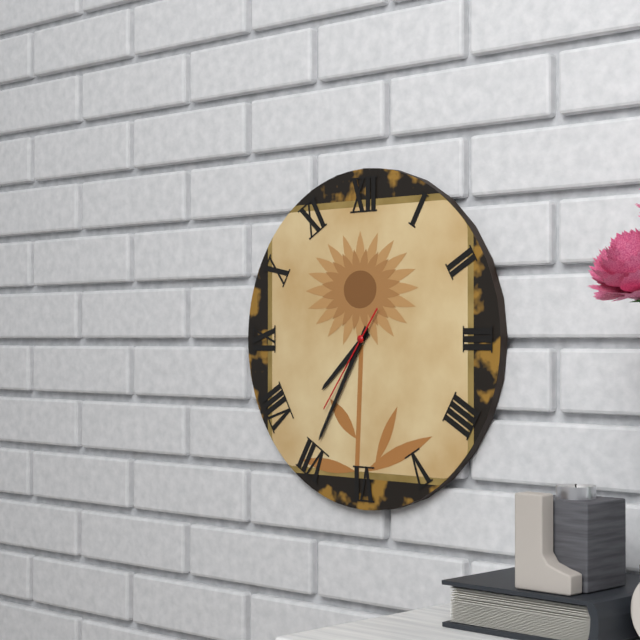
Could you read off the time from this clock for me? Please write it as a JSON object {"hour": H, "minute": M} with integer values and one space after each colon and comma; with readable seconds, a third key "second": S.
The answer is {"hour": 7, "minute": 35, "second": 36}
